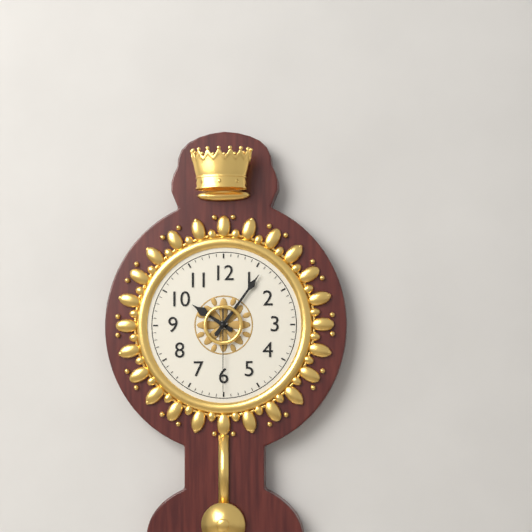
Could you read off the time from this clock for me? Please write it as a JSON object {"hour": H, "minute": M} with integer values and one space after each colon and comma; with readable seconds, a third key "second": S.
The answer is {"hour": 10, "minute": 6, "second": 30}
